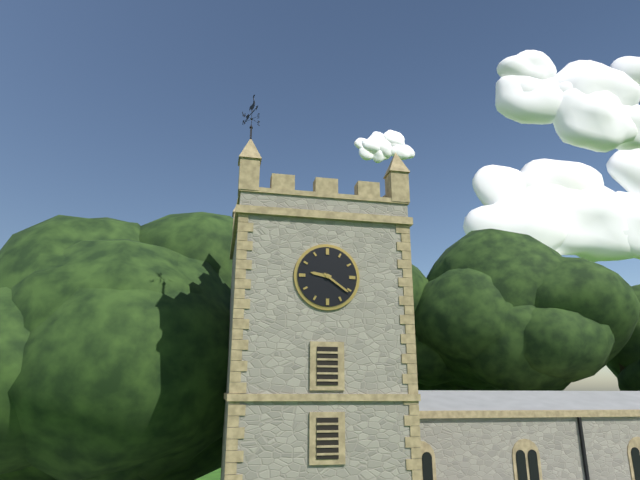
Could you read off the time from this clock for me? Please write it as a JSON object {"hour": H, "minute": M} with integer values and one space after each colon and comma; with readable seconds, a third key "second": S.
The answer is {"hour": 9, "minute": 21}
